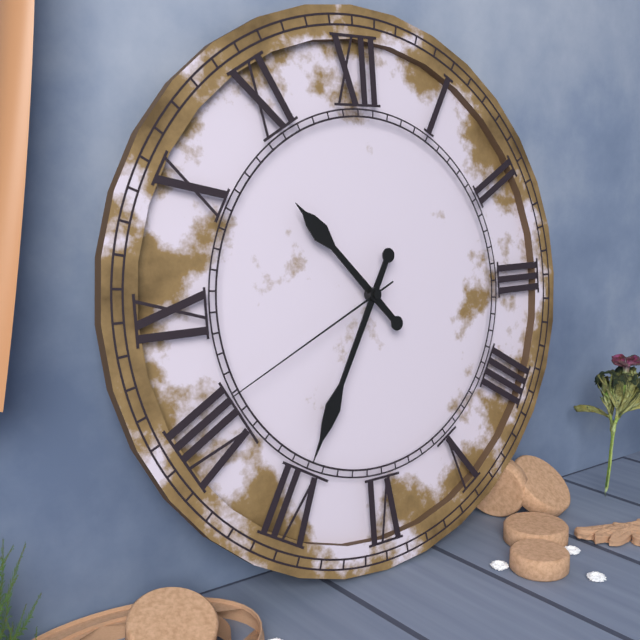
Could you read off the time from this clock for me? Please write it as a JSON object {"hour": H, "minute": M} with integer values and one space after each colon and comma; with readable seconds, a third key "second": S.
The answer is {"hour": 10, "minute": 35, "second": 41}
